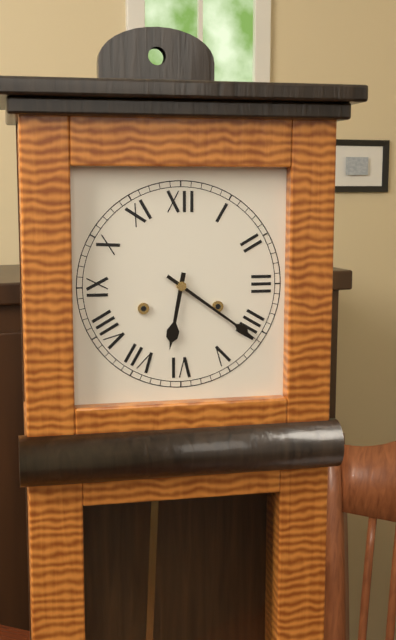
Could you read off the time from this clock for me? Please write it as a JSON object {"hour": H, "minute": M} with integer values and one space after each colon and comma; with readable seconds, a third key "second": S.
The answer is {"hour": 6, "minute": 21}
